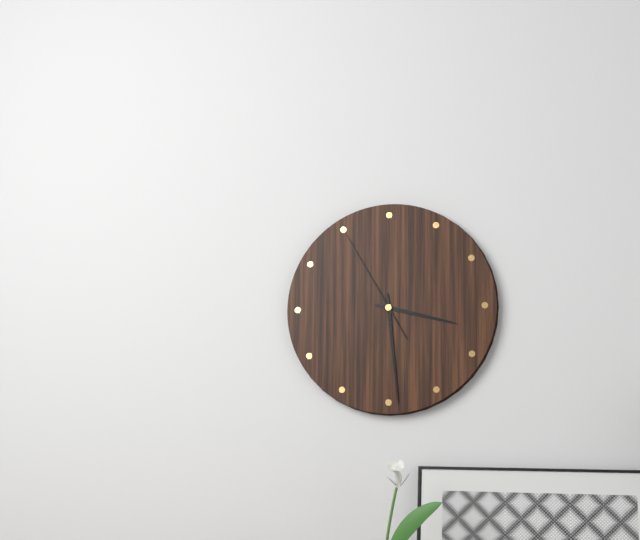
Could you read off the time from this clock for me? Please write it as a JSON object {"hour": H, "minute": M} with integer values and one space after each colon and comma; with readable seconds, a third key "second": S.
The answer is {"hour": 3, "minute": 29, "second": 55}
